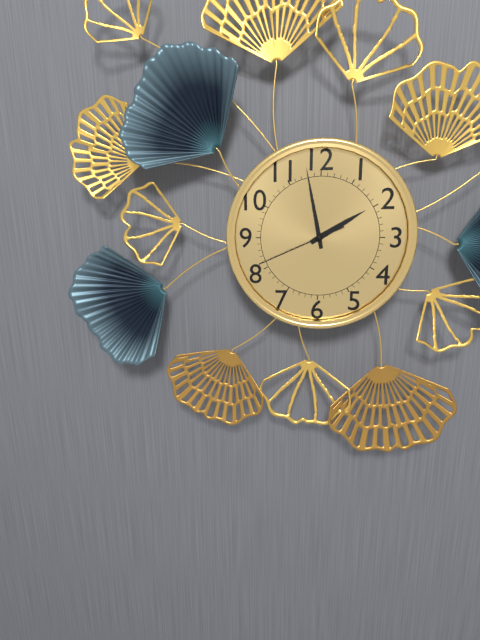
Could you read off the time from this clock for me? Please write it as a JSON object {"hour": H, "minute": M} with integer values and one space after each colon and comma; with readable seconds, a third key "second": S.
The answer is {"hour": 1, "minute": 58, "second": 41}
